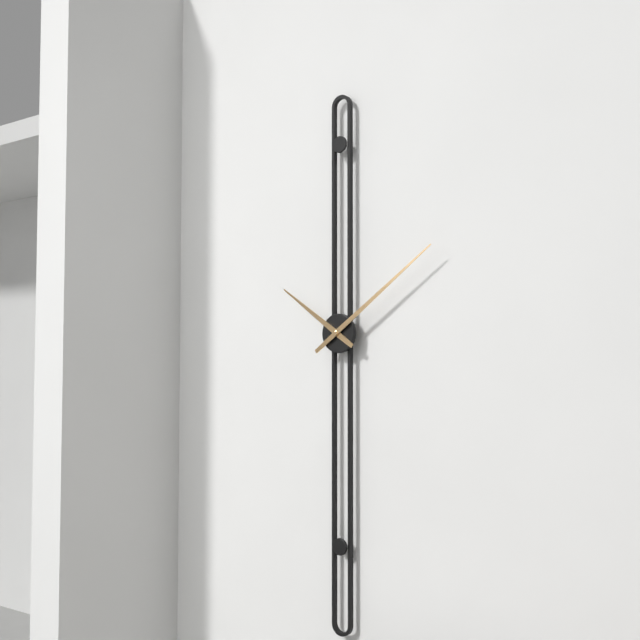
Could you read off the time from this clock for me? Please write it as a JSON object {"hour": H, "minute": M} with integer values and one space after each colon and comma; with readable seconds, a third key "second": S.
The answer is {"hour": 10, "minute": 9}
